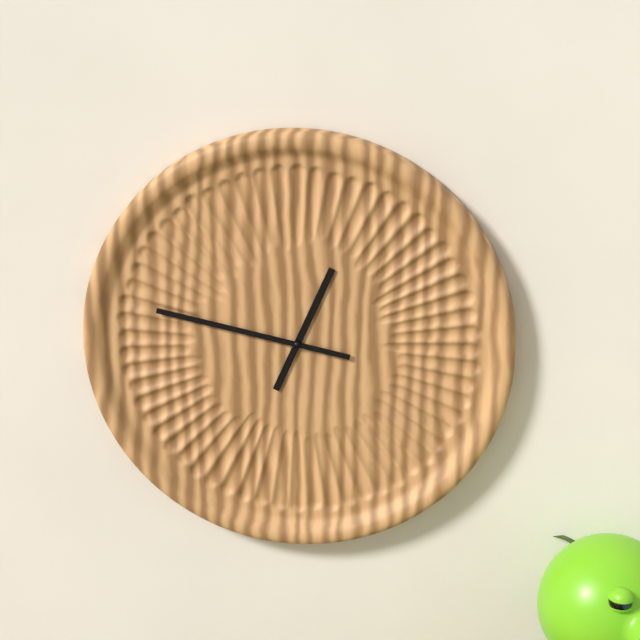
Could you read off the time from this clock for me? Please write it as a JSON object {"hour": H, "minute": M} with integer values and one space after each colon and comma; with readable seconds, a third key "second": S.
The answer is {"hour": 12, "minute": 47}
